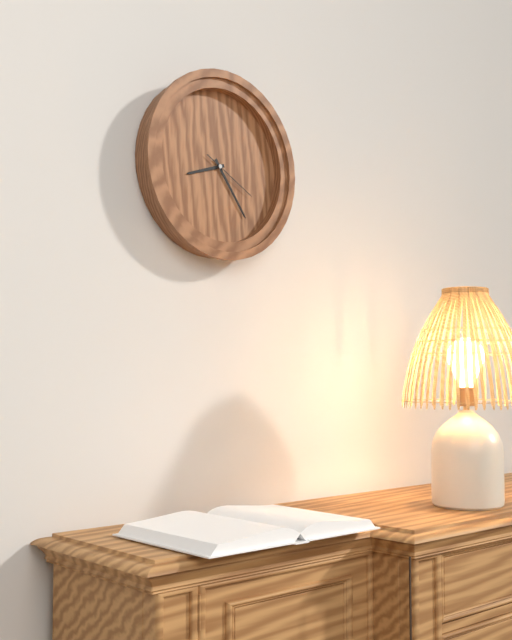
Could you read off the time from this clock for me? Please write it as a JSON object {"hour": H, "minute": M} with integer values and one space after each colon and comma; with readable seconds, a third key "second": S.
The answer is {"hour": 8, "minute": 24, "second": 20}
